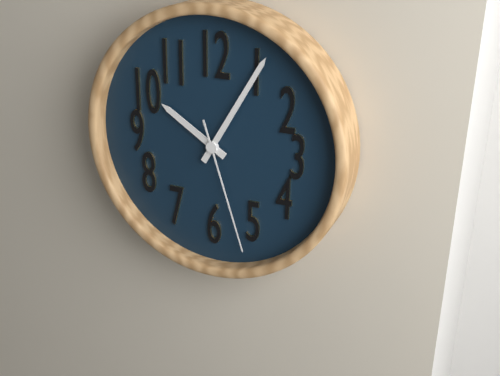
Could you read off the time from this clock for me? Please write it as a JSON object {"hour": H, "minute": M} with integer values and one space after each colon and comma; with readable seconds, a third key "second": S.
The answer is {"hour": 10, "minute": 5, "second": 27}
